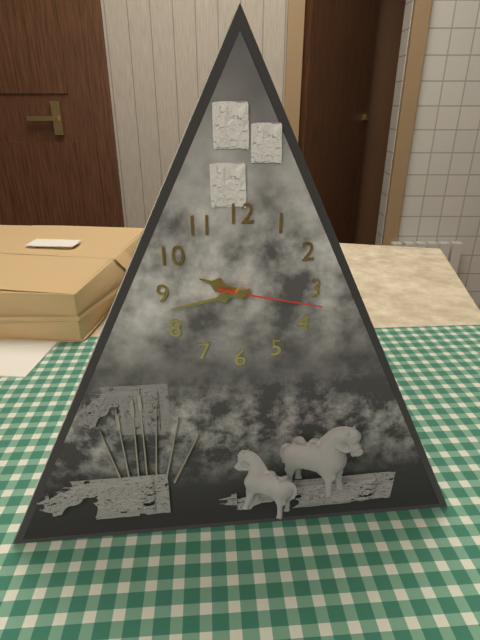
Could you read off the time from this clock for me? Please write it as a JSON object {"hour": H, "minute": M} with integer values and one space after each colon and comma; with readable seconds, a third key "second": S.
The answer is {"hour": 9, "minute": 43, "second": 17}
